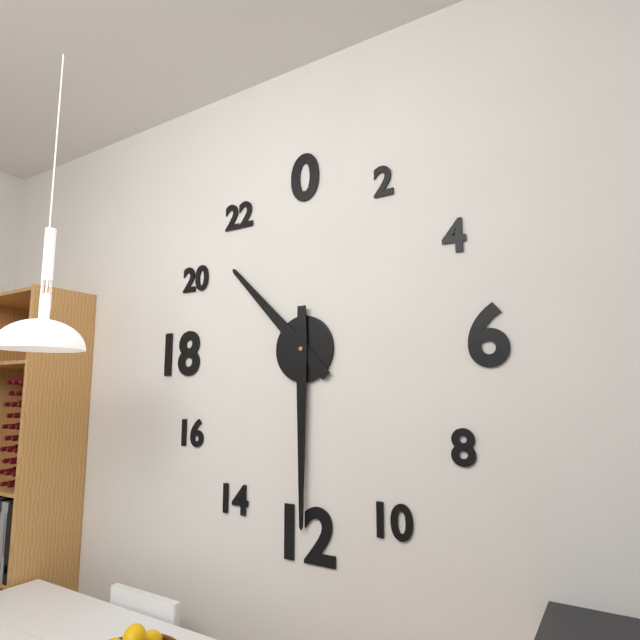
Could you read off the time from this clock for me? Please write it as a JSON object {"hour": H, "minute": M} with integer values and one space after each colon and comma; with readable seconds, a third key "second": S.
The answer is {"hour": 10, "minute": 30}
